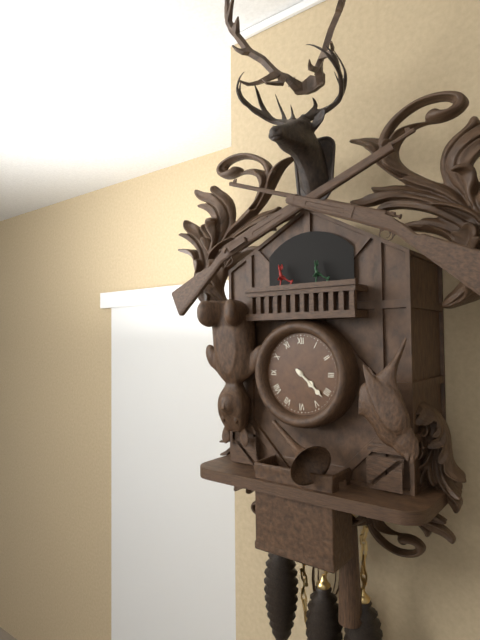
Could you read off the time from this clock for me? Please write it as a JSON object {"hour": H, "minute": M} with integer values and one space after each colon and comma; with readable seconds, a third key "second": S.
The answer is {"hour": 4, "minute": 22}
